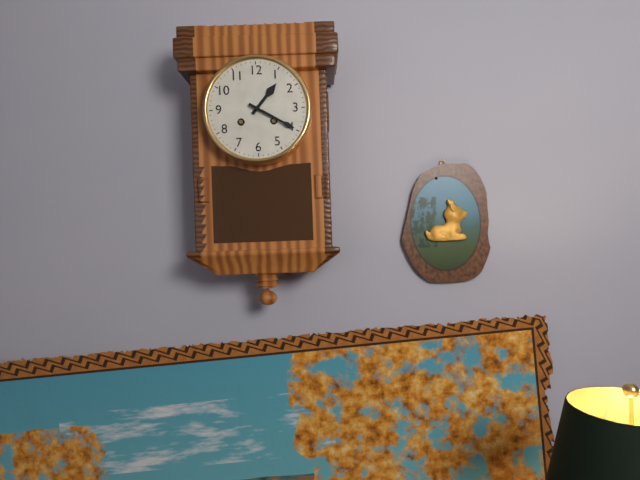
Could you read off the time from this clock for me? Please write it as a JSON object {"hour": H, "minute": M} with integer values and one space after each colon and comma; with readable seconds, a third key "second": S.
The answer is {"hour": 1, "minute": 20}
